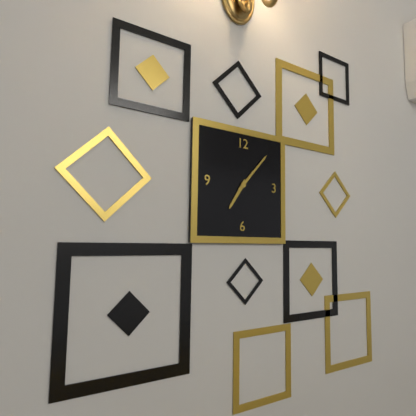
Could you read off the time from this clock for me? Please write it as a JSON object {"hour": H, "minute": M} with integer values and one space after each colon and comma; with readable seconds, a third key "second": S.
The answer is {"hour": 7, "minute": 7}
